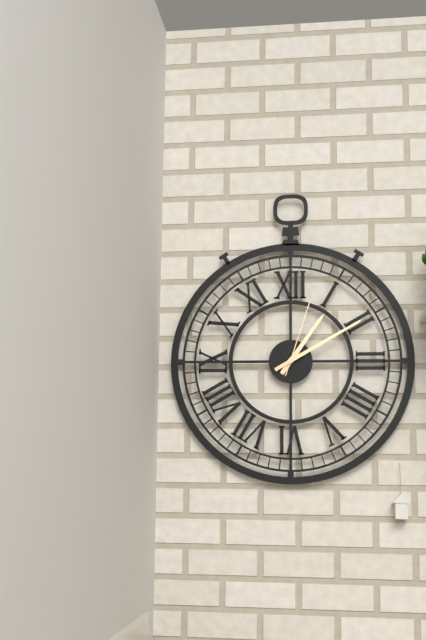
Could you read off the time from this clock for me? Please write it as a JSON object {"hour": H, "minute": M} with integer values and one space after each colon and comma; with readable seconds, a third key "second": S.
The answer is {"hour": 1, "minute": 10, "second": 3}
